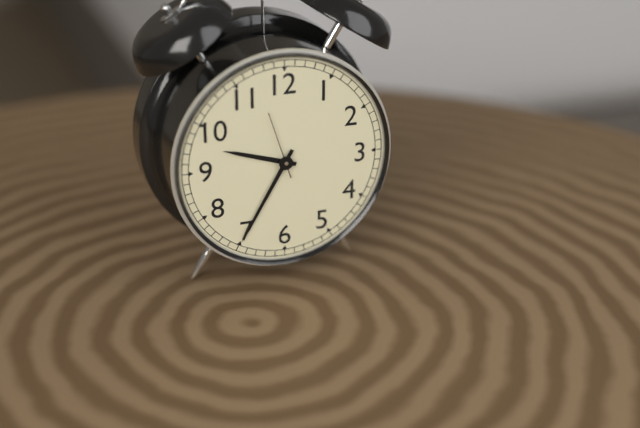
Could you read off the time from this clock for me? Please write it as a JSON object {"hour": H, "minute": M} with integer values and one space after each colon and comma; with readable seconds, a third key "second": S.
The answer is {"hour": 9, "minute": 35, "second": 57}
